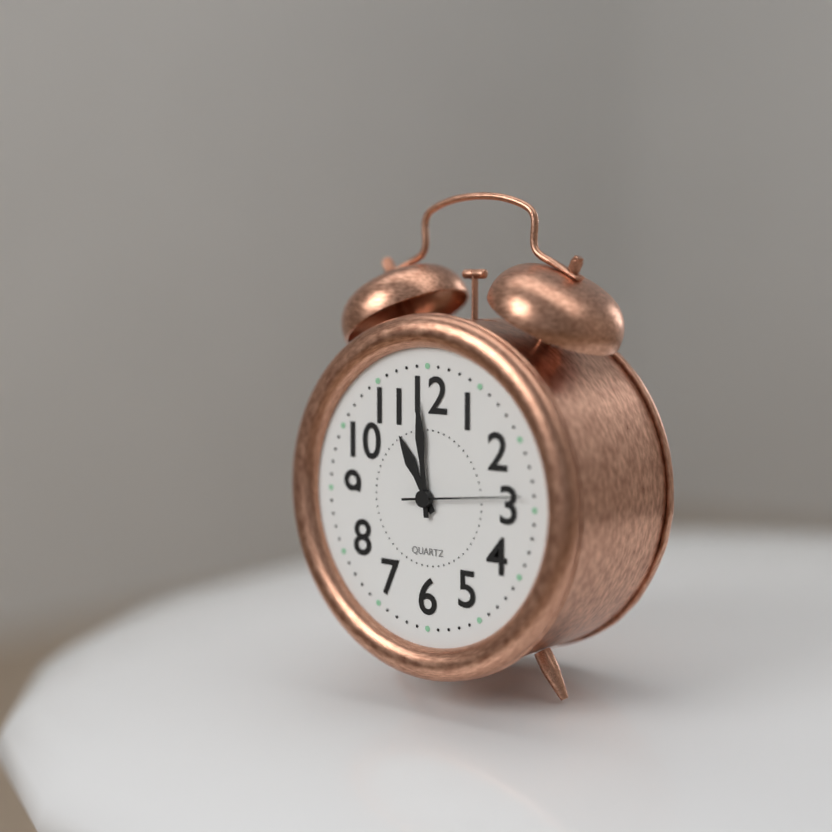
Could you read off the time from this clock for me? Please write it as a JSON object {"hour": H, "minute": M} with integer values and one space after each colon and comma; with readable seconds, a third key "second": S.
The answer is {"hour": 10, "minute": 59, "second": 14}
